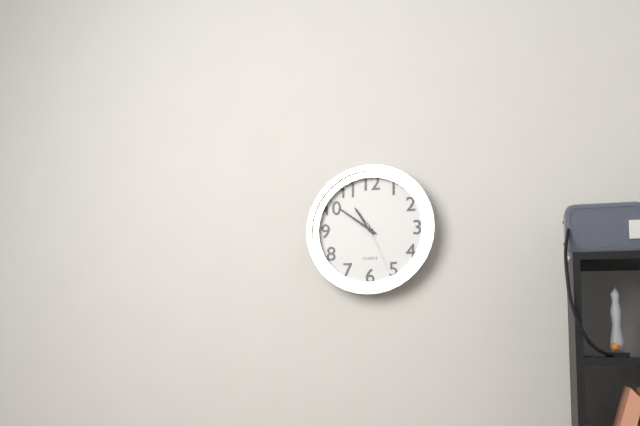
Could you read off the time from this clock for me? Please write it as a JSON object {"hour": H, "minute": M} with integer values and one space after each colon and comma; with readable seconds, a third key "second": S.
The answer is {"hour": 10, "minute": 51, "second": 26}
